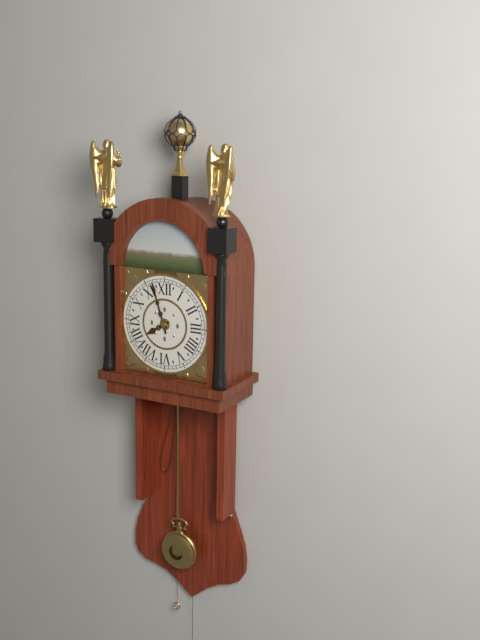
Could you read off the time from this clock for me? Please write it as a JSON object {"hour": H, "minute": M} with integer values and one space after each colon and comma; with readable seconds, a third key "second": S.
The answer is {"hour": 7, "minute": 57}
